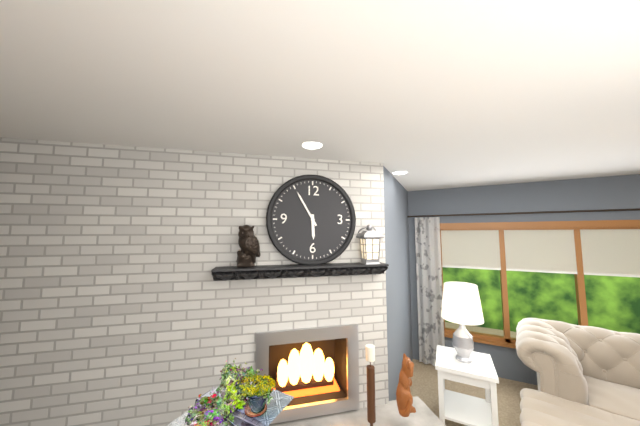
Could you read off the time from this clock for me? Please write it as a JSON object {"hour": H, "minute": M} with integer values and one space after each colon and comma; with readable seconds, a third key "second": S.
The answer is {"hour": 5, "minute": 55}
